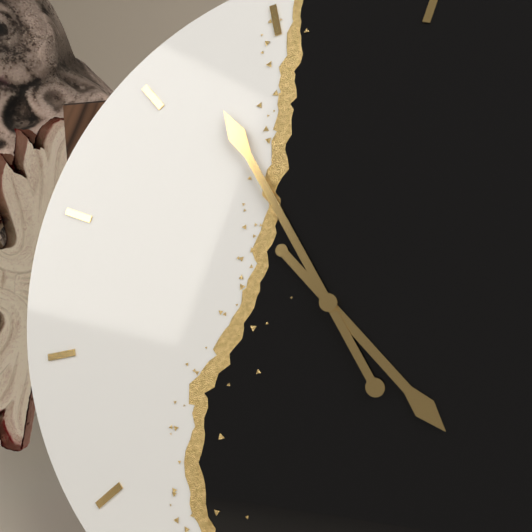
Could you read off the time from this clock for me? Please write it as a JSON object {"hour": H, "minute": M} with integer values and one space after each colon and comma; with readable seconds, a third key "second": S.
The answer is {"hour": 4, "minute": 57}
